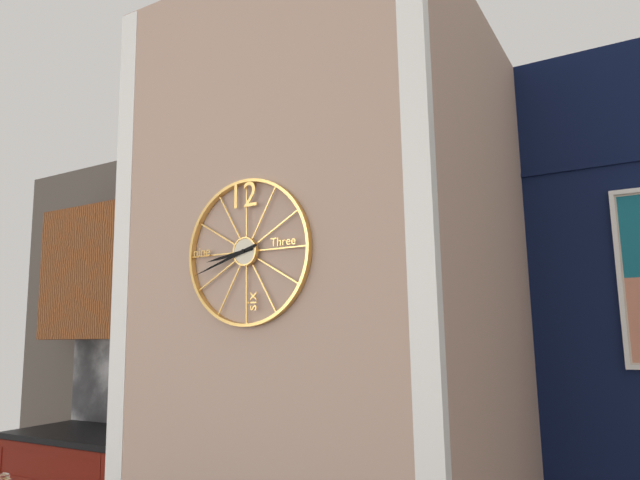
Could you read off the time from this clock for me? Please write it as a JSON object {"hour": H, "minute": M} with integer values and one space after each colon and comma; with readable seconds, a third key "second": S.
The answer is {"hour": 8, "minute": 42}
